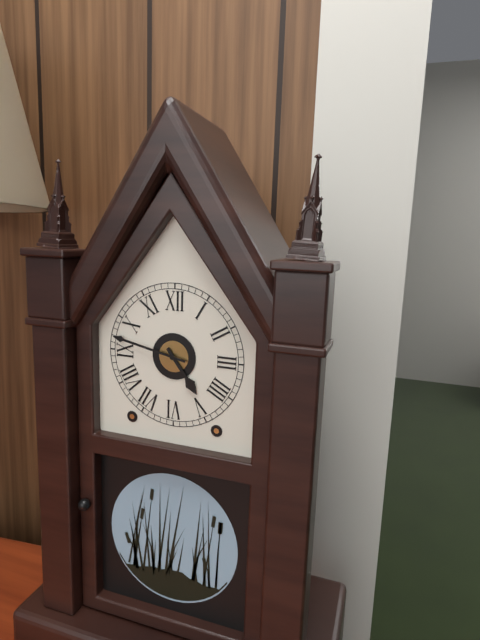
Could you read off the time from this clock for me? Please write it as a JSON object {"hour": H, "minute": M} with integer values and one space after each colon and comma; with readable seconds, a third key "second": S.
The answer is {"hour": 4, "minute": 47}
